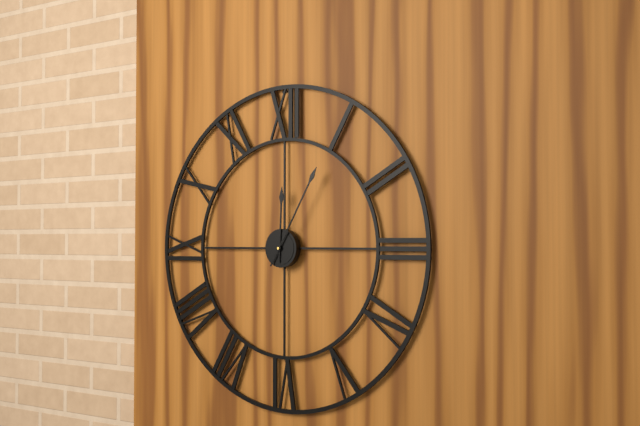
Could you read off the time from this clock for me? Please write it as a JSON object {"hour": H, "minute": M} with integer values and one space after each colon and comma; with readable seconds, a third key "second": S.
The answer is {"hour": 12, "minute": 5}
